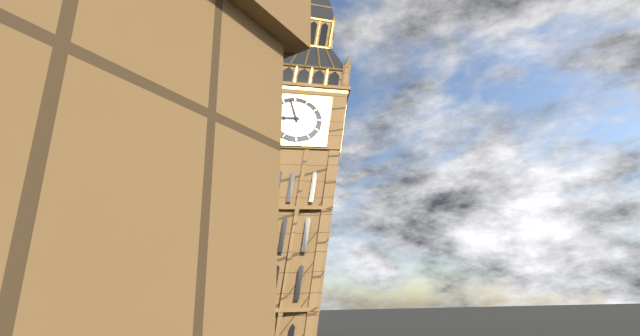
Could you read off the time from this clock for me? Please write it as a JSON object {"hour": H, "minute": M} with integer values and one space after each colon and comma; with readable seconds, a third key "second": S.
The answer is {"hour": 8, "minute": 58}
